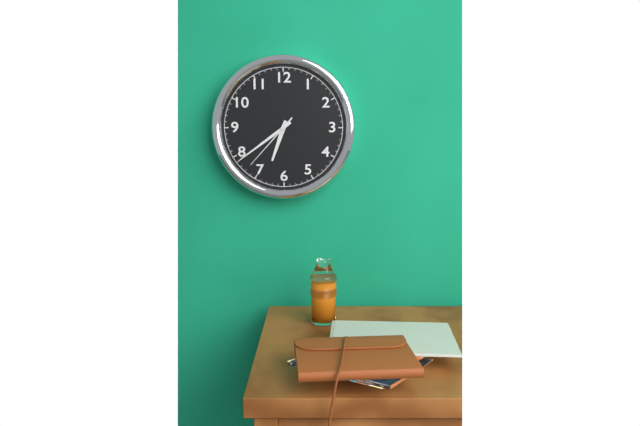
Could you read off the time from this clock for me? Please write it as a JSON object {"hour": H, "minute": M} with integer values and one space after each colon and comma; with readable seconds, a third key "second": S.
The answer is {"hour": 6, "minute": 39, "second": 37}
